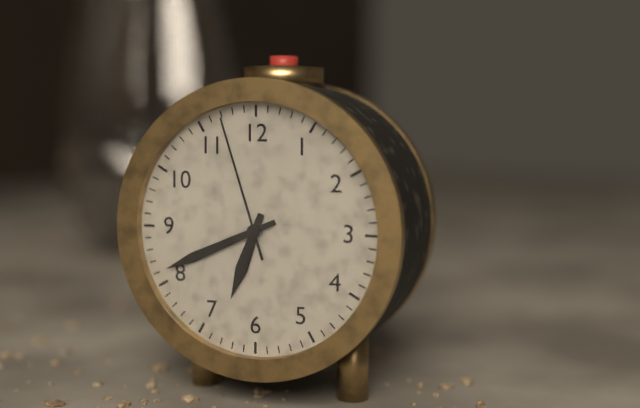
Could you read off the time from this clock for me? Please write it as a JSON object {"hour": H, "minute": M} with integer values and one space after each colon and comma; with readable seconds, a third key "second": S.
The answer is {"hour": 6, "minute": 41, "second": 57}
